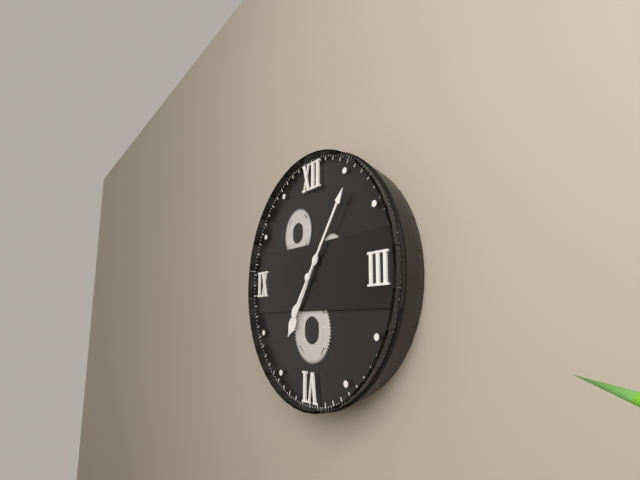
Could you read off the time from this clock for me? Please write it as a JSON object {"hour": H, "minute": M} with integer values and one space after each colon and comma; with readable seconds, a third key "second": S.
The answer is {"hour": 7, "minute": 6}
